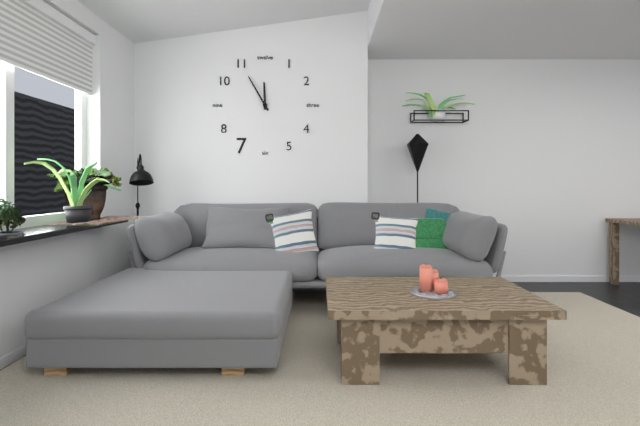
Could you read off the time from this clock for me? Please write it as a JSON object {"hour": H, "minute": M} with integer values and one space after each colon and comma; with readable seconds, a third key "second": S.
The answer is {"hour": 11, "minute": 55}
